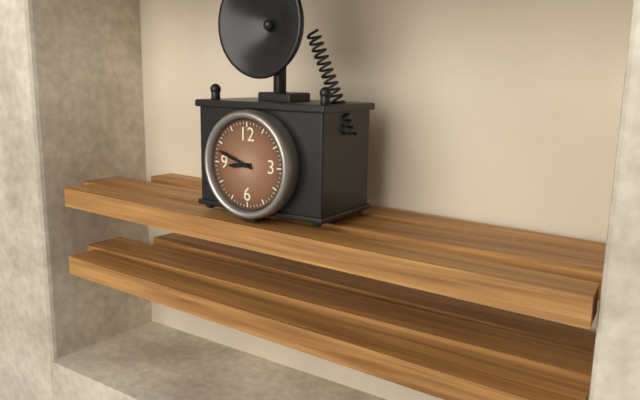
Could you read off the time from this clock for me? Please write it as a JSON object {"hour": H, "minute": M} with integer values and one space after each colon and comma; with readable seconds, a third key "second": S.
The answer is {"hour": 8, "minute": 48}
